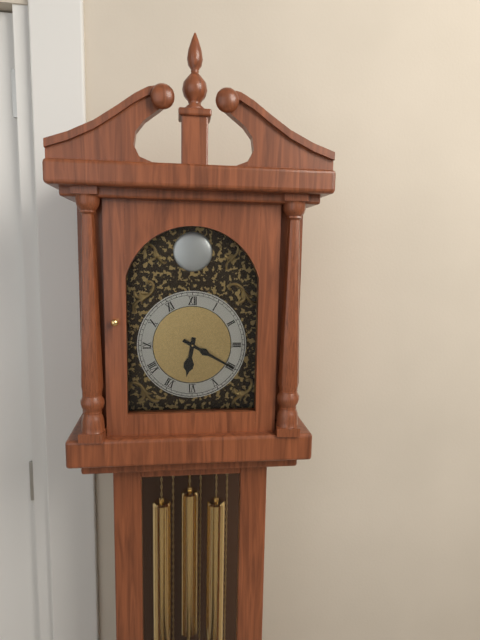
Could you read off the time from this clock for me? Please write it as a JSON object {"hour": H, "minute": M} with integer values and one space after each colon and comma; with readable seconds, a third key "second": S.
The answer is {"hour": 6, "minute": 20}
